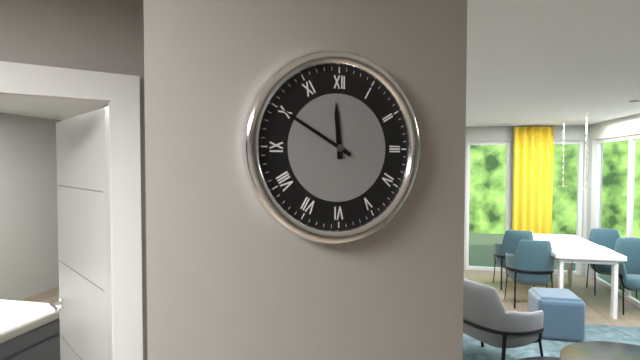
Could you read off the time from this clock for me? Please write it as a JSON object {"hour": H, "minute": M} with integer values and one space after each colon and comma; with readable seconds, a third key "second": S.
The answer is {"hour": 11, "minute": 50}
